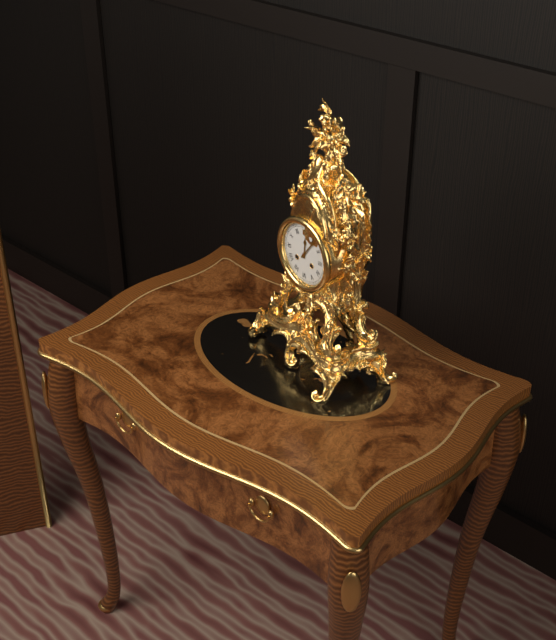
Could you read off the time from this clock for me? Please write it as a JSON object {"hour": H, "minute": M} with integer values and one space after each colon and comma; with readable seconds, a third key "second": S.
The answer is {"hour": 12, "minute": 6}
